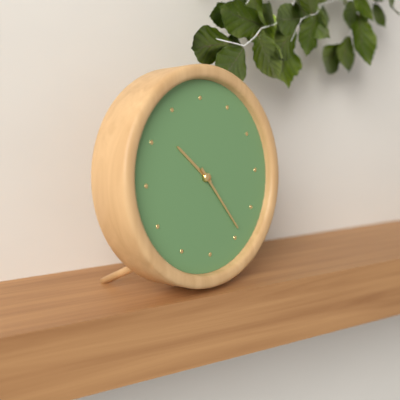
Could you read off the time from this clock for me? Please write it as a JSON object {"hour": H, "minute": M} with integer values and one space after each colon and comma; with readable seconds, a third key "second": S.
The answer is {"hour": 10, "minute": 24}
